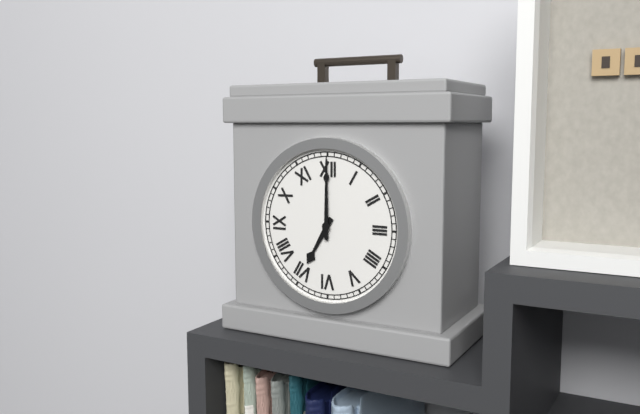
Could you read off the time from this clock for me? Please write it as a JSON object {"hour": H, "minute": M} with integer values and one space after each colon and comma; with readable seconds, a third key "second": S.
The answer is {"hour": 7, "minute": 0}
